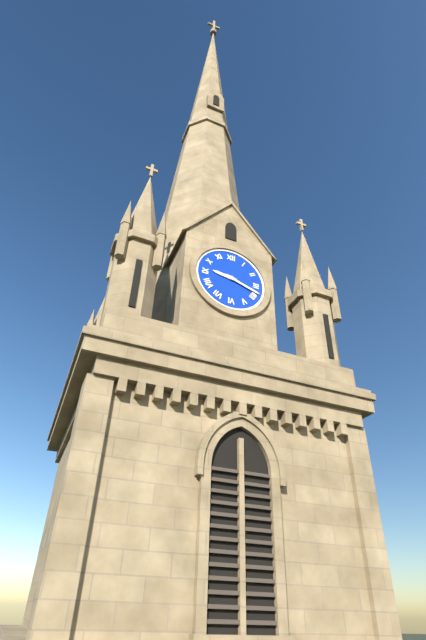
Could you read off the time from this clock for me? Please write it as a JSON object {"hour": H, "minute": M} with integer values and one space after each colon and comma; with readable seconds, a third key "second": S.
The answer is {"hour": 9, "minute": 18}
